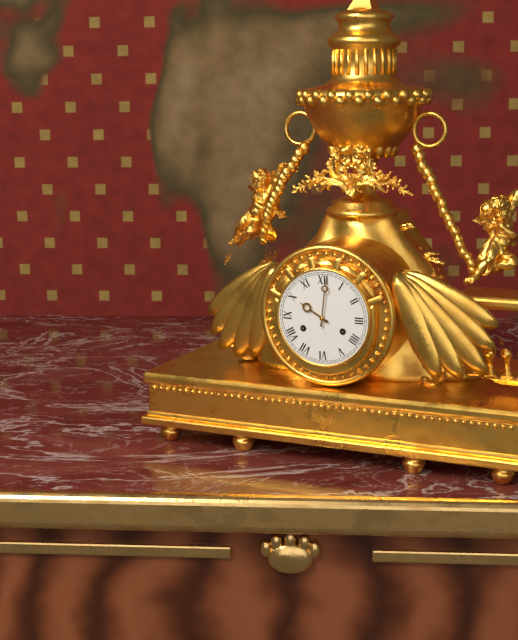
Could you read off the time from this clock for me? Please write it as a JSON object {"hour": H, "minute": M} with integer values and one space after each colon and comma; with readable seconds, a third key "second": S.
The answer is {"hour": 10, "minute": 1}
